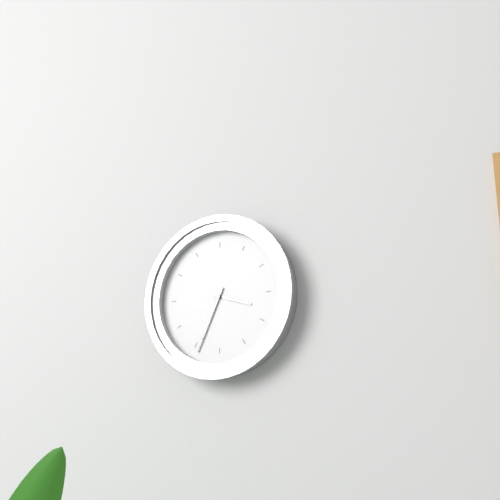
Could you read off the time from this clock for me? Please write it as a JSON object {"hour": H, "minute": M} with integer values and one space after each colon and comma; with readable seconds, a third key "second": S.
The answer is {"hour": 3, "minute": 34}
